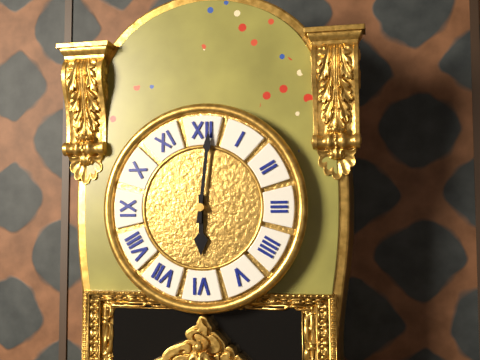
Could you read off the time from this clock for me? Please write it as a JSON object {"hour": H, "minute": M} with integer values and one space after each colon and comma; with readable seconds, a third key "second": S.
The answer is {"hour": 6, "minute": 1}
